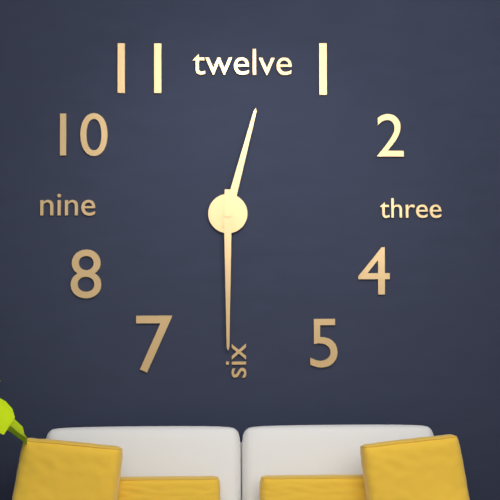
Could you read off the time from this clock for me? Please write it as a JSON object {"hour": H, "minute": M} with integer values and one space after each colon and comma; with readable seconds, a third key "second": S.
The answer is {"hour": 12, "minute": 30}
